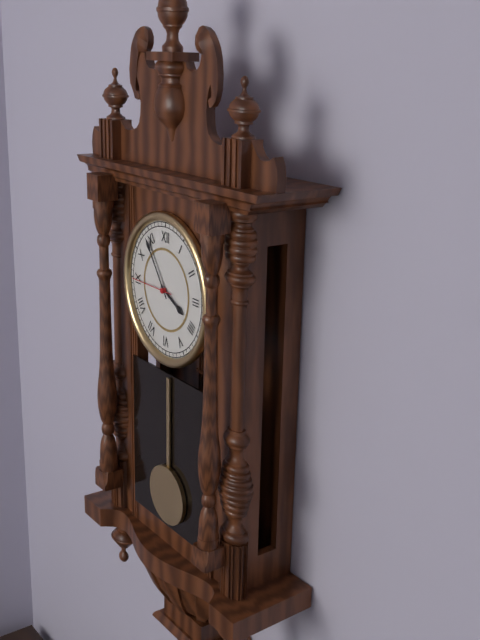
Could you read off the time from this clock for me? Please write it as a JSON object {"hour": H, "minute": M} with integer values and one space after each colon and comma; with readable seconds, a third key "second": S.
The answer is {"hour": 3, "minute": 54}
